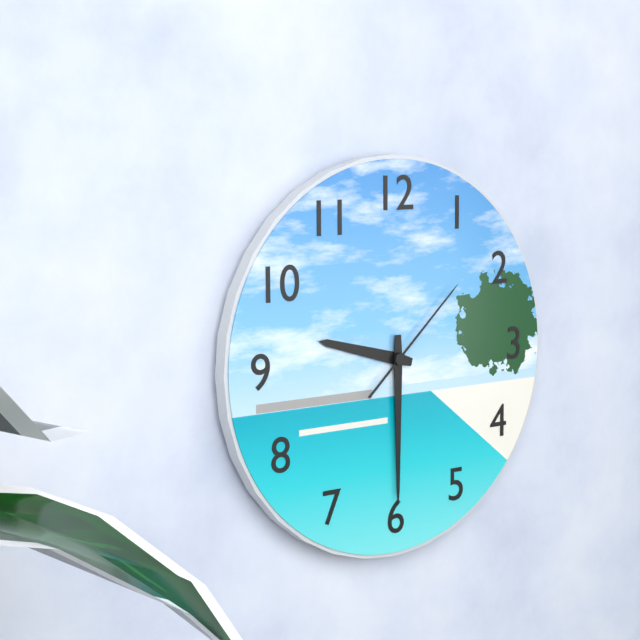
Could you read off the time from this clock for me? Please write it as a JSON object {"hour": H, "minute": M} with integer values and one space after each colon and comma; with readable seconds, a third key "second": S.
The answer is {"hour": 9, "minute": 30, "second": 8}
